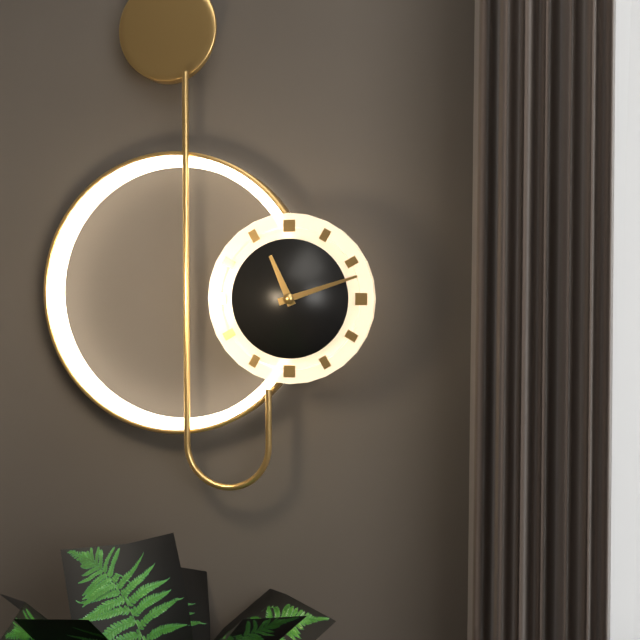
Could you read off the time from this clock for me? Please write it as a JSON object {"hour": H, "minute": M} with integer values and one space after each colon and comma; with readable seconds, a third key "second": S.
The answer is {"hour": 11, "minute": 12}
